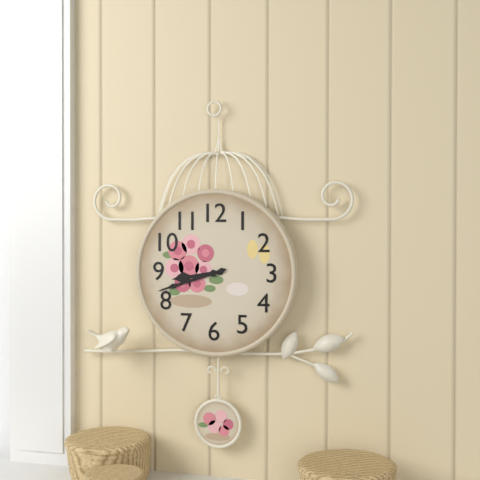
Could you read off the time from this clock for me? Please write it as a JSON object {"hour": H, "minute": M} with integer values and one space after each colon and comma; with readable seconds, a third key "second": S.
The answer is {"hour": 8, "minute": 42}
